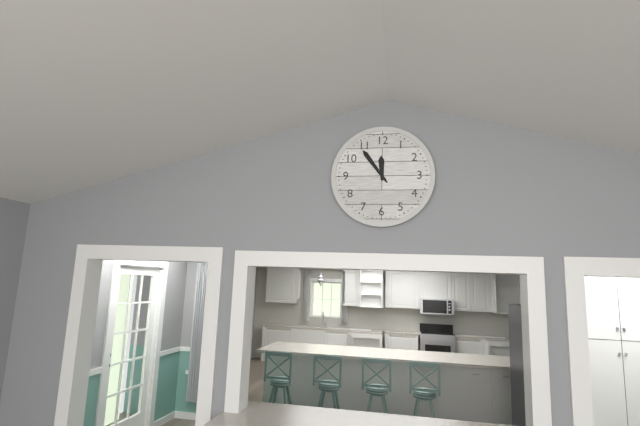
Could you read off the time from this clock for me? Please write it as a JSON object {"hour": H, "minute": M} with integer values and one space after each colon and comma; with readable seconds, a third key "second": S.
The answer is {"hour": 11, "minute": 54}
